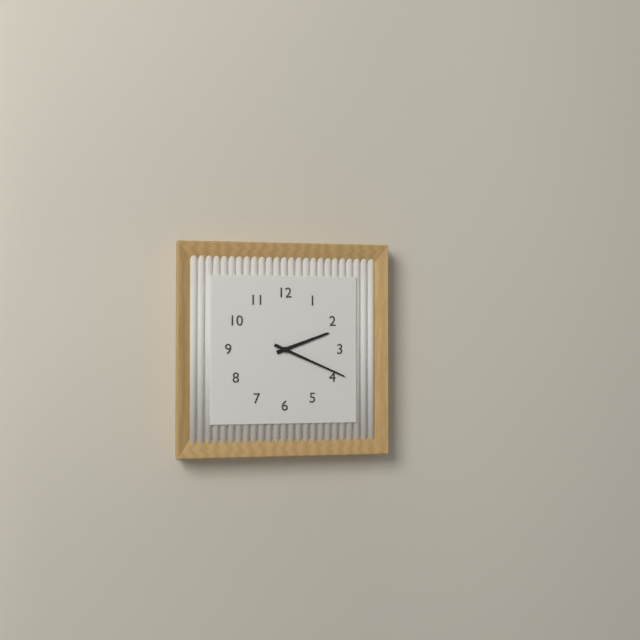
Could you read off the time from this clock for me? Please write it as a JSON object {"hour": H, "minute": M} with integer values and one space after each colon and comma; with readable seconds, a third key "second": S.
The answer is {"hour": 2, "minute": 19}
